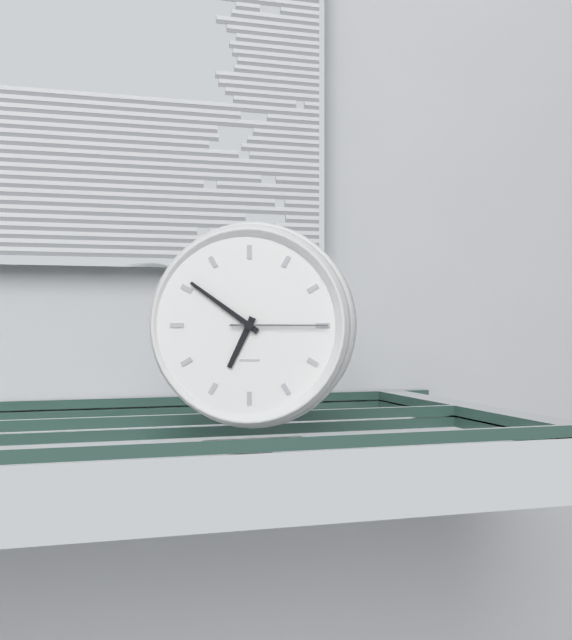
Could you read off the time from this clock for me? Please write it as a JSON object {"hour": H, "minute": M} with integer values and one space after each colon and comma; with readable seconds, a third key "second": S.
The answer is {"hour": 6, "minute": 51, "second": 15}
